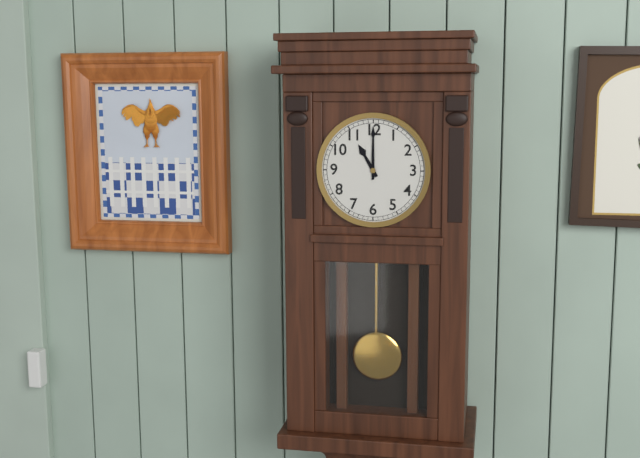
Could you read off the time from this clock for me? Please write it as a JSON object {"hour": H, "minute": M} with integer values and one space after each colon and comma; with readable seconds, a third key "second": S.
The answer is {"hour": 11, "minute": 0}
